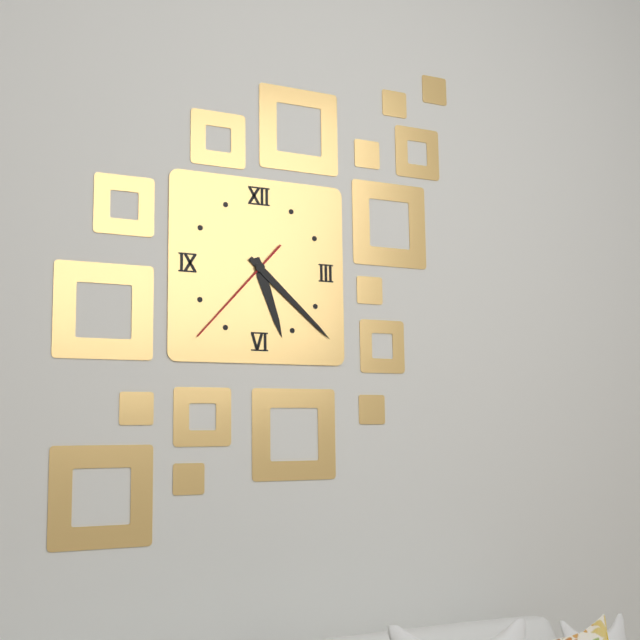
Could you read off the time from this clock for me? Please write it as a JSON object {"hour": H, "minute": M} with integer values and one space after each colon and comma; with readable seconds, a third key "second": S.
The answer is {"hour": 5, "minute": 22, "second": 37}
